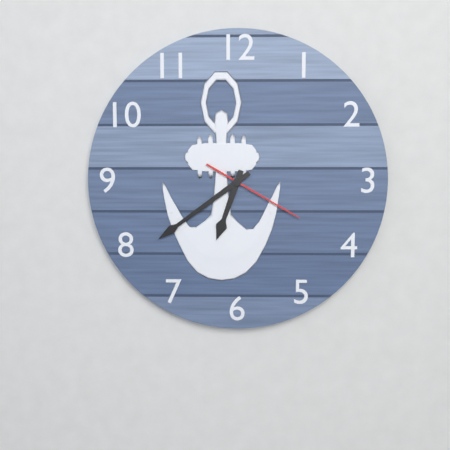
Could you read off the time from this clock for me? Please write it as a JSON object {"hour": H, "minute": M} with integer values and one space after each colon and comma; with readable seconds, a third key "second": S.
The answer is {"hour": 6, "minute": 39, "second": 20}
